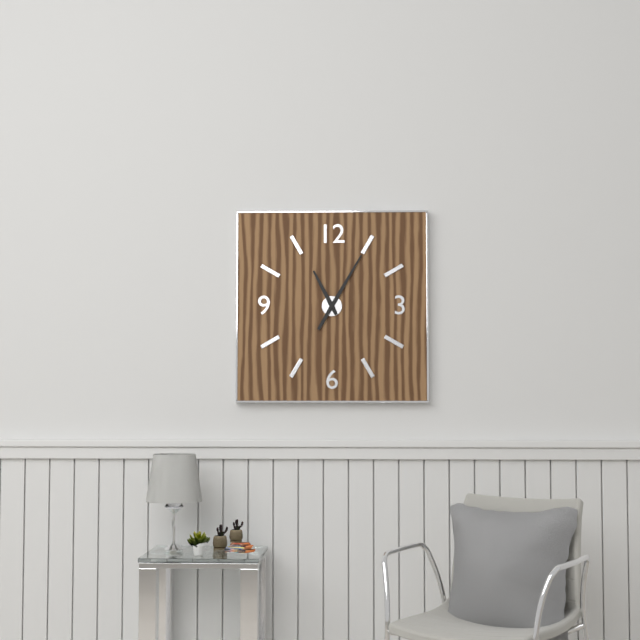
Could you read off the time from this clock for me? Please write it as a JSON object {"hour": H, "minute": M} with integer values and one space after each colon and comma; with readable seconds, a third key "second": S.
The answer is {"hour": 11, "minute": 5}
